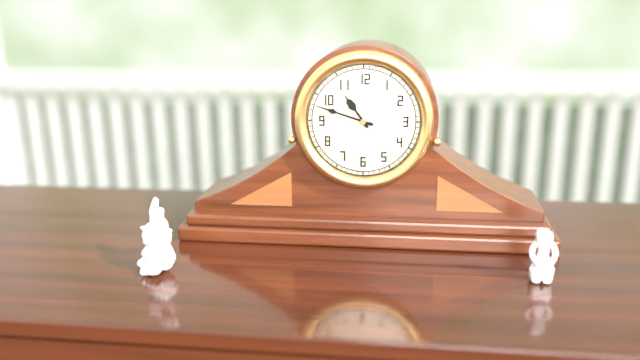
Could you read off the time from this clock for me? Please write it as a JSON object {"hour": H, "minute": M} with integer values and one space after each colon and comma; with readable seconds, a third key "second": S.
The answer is {"hour": 10, "minute": 48}
